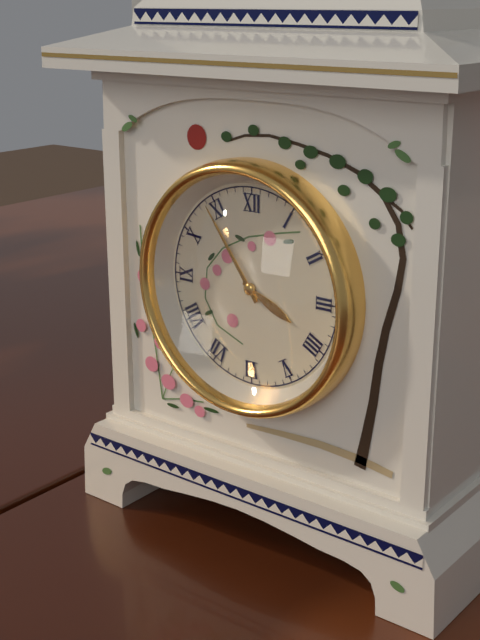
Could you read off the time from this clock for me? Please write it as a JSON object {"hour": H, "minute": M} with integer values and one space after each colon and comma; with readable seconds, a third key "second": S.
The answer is {"hour": 3, "minute": 54}
